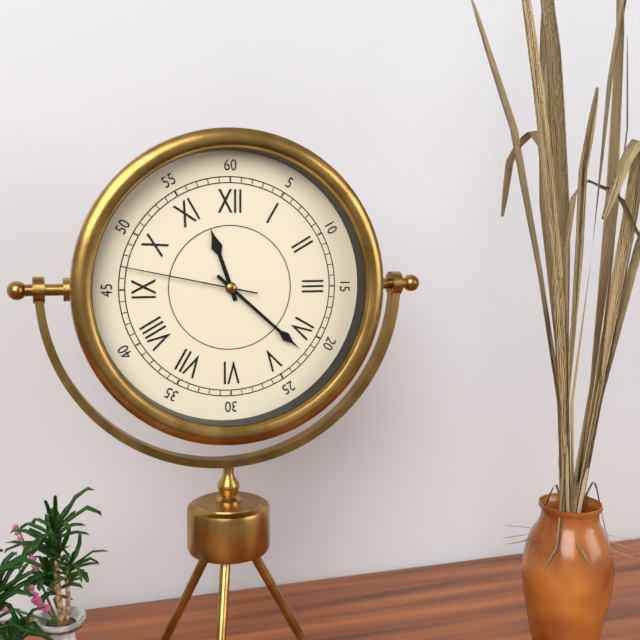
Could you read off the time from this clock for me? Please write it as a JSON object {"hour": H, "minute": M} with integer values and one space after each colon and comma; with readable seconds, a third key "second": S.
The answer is {"hour": 11, "minute": 22, "second": 47}
